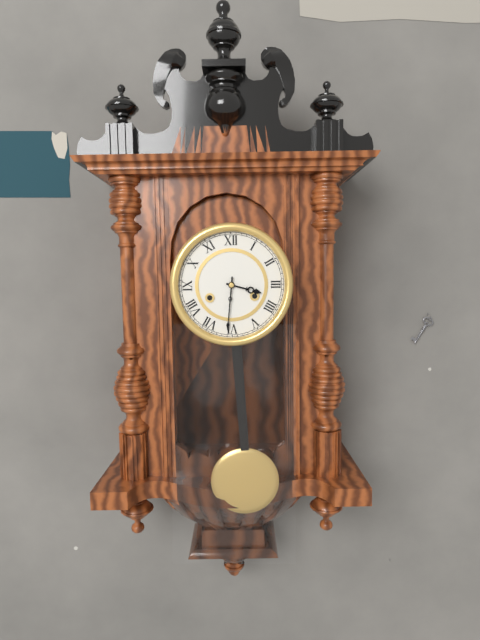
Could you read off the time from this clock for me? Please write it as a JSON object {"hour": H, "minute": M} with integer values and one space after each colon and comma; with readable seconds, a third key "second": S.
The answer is {"hour": 3, "minute": 31}
